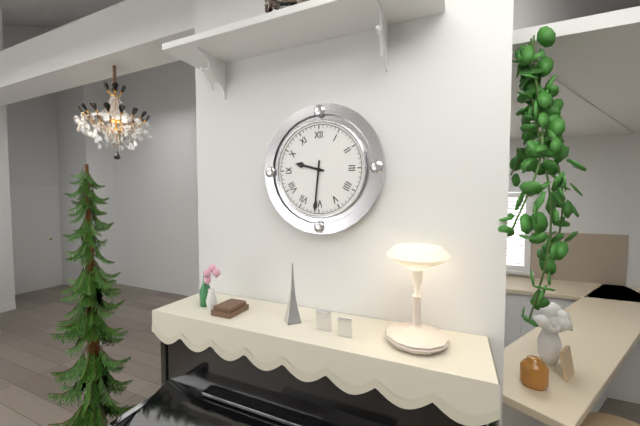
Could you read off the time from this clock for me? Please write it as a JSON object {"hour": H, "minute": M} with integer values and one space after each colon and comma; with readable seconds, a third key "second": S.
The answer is {"hour": 9, "minute": 31}
